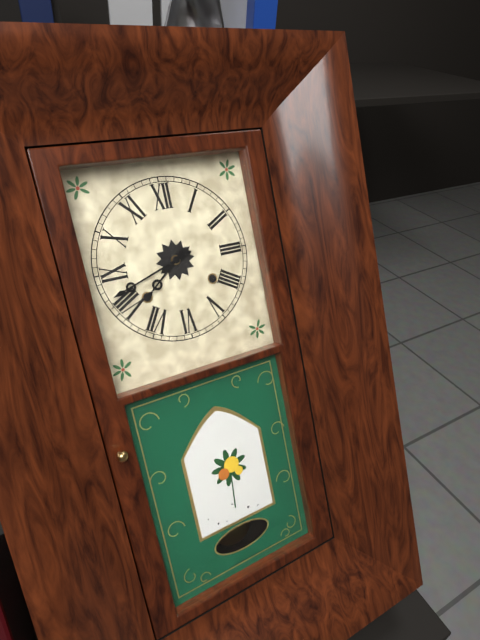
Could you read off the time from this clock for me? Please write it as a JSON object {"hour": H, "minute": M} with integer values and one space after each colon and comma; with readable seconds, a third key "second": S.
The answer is {"hour": 7, "minute": 42}
